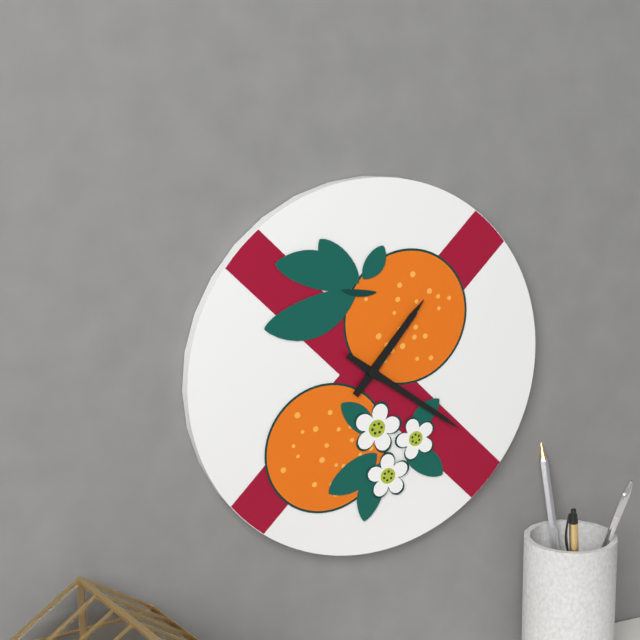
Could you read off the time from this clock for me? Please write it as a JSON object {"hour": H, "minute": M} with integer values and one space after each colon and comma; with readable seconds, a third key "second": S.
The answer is {"hour": 1, "minute": 21}
